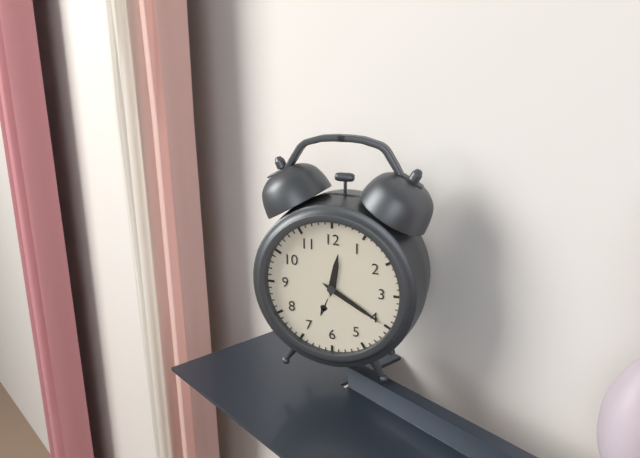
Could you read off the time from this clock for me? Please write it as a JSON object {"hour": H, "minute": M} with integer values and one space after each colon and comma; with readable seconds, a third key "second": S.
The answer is {"hour": 12, "minute": 20}
